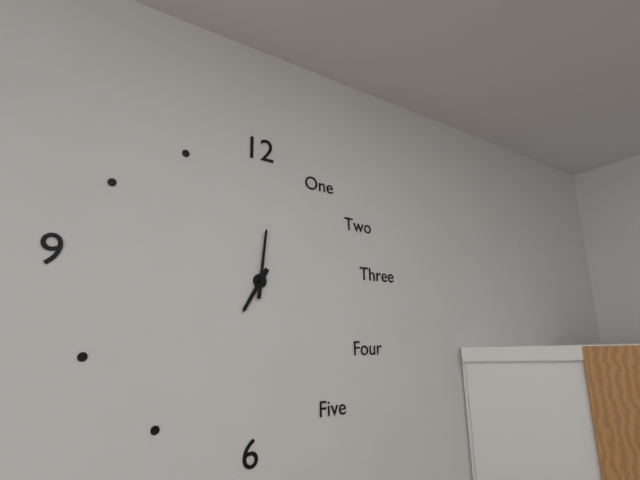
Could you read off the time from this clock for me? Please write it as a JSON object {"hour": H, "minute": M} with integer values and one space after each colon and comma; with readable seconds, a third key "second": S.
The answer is {"hour": 7, "minute": 1}
